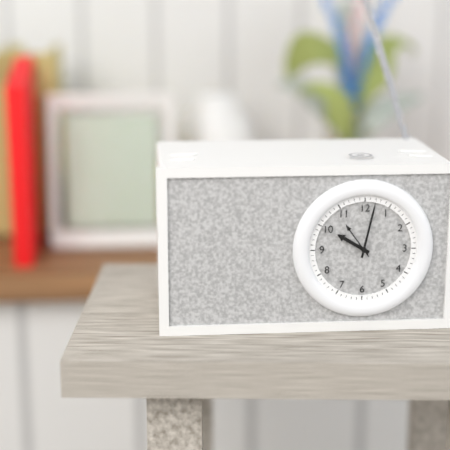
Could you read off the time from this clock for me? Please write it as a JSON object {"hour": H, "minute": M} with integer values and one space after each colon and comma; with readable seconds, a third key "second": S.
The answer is {"hour": 10, "minute": 2}
